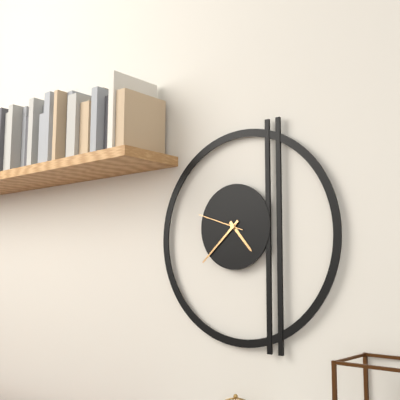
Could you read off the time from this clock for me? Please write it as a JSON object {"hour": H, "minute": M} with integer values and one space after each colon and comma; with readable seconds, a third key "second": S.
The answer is {"hour": 4, "minute": 38}
